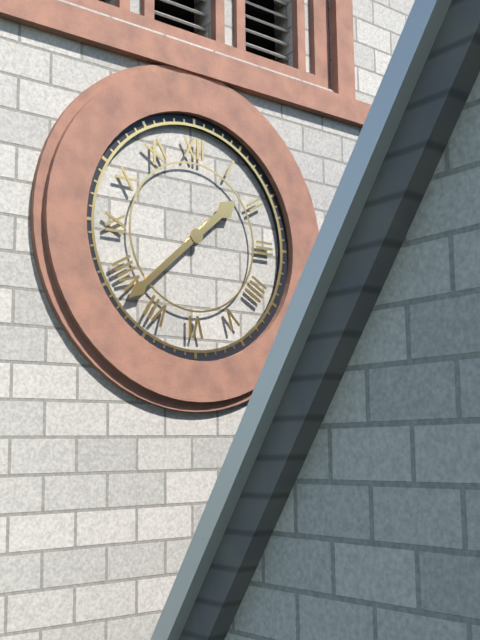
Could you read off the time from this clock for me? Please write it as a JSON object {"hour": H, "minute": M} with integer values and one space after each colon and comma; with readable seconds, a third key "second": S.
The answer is {"hour": 1, "minute": 38}
